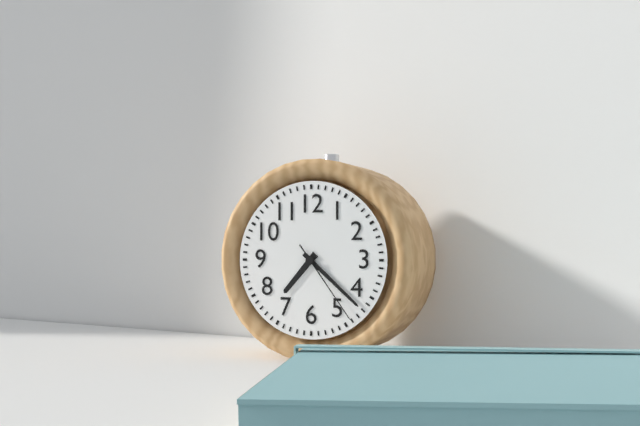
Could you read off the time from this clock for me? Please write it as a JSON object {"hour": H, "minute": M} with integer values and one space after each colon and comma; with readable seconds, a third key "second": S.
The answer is {"hour": 7, "minute": 22, "second": 24}
